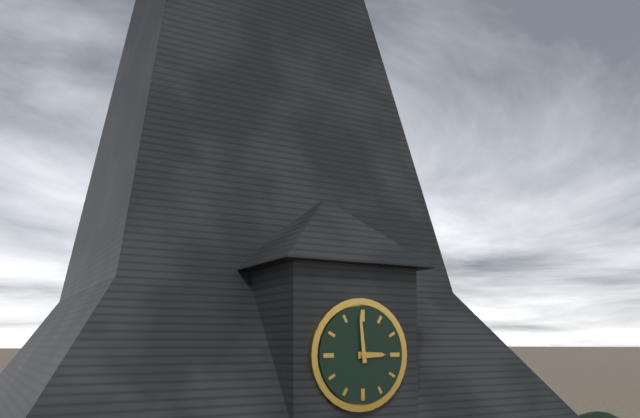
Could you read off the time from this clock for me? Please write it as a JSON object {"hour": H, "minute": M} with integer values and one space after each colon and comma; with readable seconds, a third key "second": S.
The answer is {"hour": 2, "minute": 59}
